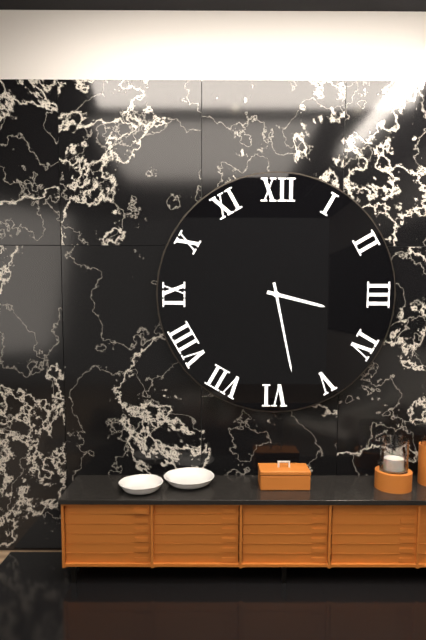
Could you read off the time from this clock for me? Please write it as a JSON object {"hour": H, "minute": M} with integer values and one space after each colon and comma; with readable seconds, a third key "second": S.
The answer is {"hour": 3, "minute": 28}
